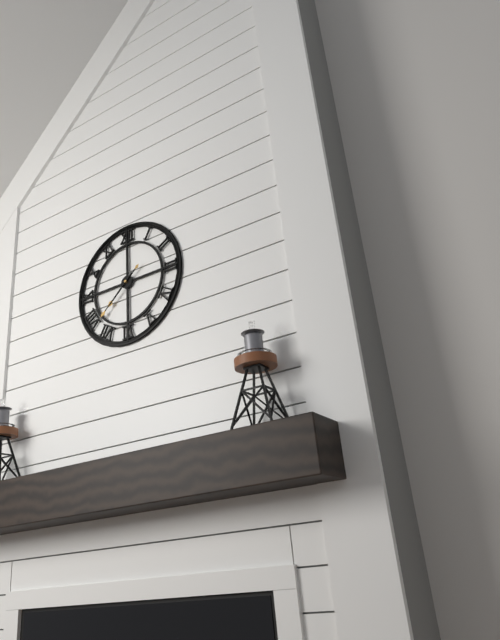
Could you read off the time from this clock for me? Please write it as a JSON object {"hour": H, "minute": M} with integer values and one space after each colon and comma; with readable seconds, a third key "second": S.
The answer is {"hour": 7, "minute": 38}
